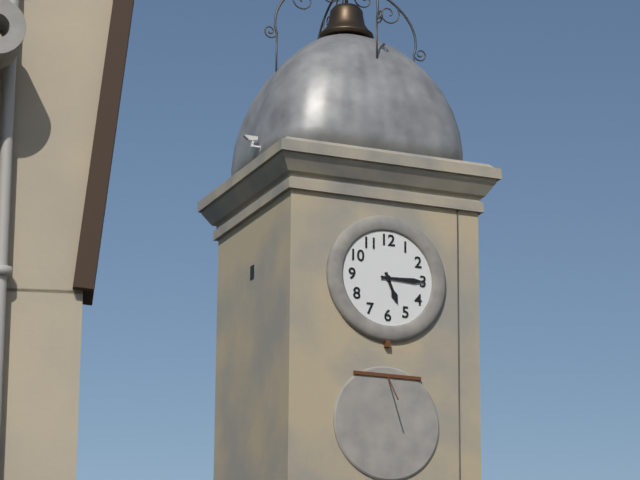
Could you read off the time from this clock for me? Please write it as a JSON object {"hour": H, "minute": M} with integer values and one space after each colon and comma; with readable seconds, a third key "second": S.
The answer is {"hour": 5, "minute": 15}
